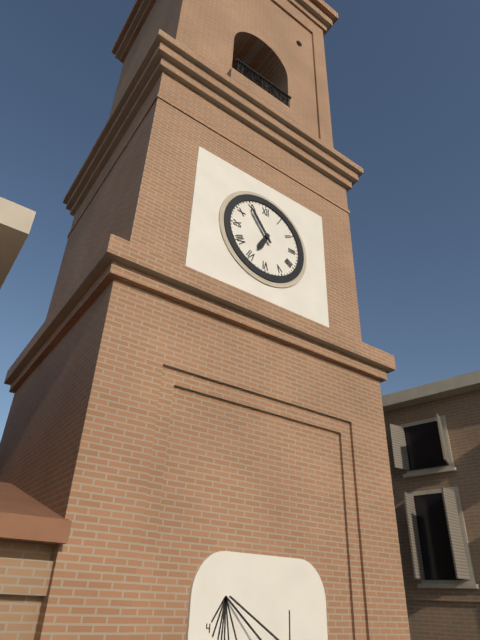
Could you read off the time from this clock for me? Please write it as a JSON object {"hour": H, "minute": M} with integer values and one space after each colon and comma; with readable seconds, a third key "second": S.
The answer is {"hour": 6, "minute": 54}
